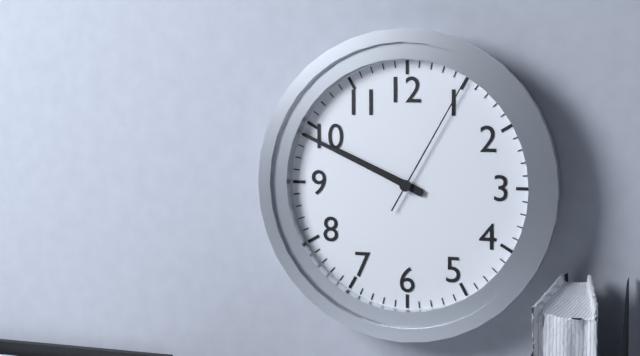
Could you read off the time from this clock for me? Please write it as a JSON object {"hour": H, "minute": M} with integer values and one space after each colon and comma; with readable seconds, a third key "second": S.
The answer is {"hour": 9, "minute": 49, "second": 5}
